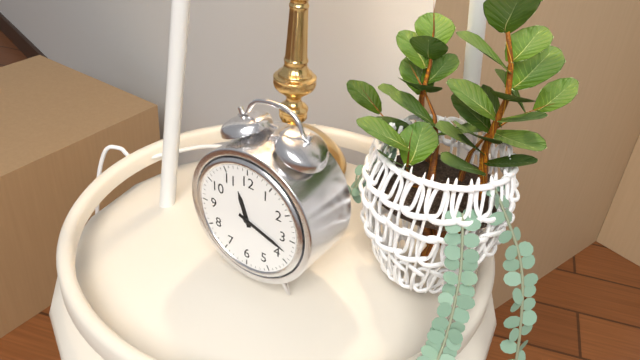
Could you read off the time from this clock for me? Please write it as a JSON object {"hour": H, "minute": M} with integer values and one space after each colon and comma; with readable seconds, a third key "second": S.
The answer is {"hour": 11, "minute": 18}
